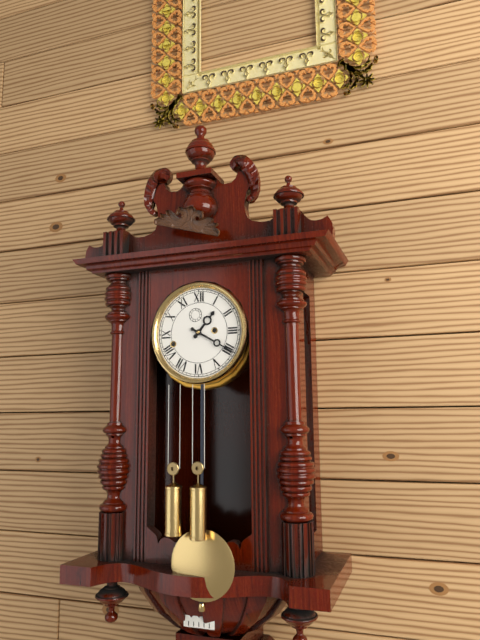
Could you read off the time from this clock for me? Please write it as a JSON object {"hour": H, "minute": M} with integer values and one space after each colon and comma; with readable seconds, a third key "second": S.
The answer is {"hour": 1, "minute": 20}
